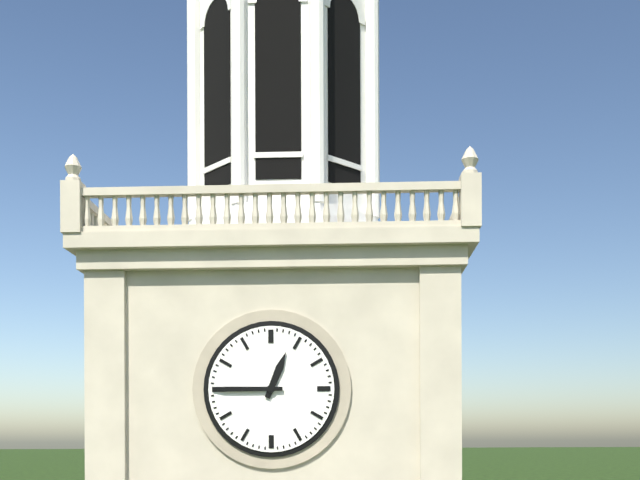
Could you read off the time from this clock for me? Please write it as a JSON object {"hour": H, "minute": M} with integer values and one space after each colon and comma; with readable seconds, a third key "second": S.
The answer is {"hour": 12, "minute": 45}
